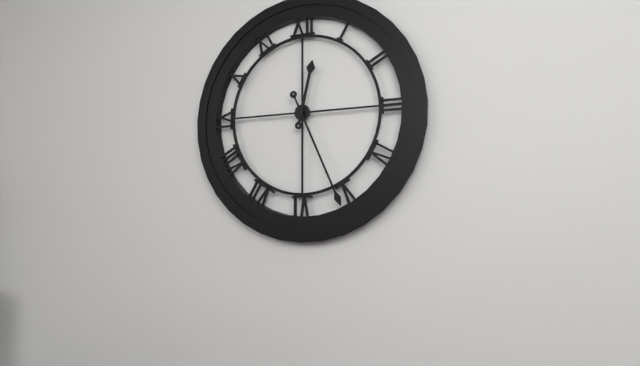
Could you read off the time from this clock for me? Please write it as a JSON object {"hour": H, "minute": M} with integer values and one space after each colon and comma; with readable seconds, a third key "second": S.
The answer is {"hour": 12, "minute": 26}
